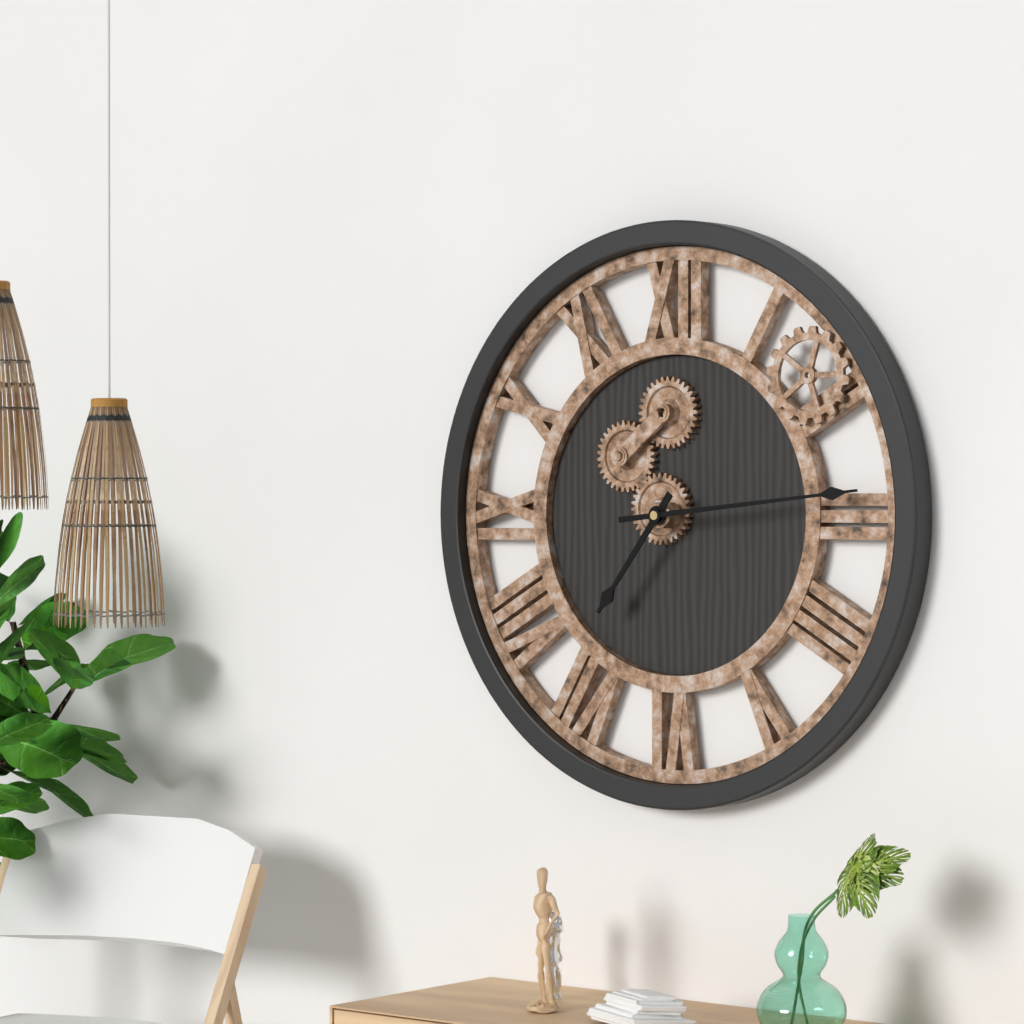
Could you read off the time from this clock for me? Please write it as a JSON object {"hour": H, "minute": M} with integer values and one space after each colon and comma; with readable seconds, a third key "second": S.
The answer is {"hour": 7, "minute": 14}
